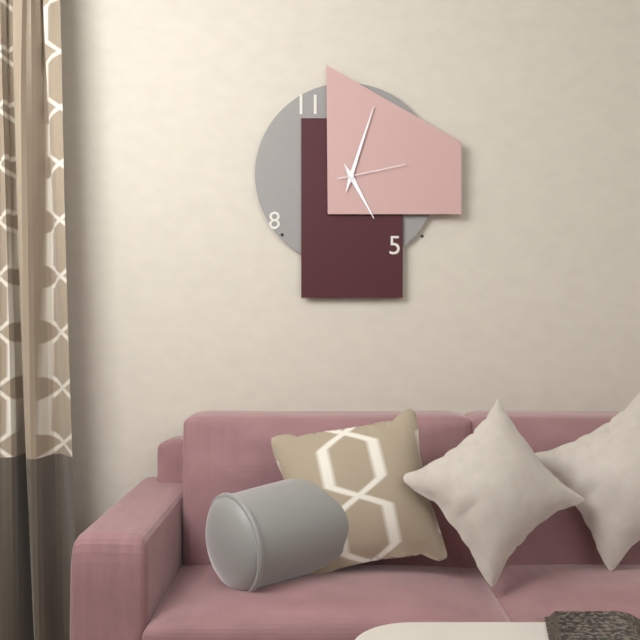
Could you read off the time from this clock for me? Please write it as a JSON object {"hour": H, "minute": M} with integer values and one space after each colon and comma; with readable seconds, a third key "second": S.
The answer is {"hour": 5, "minute": 3, "second": 13}
